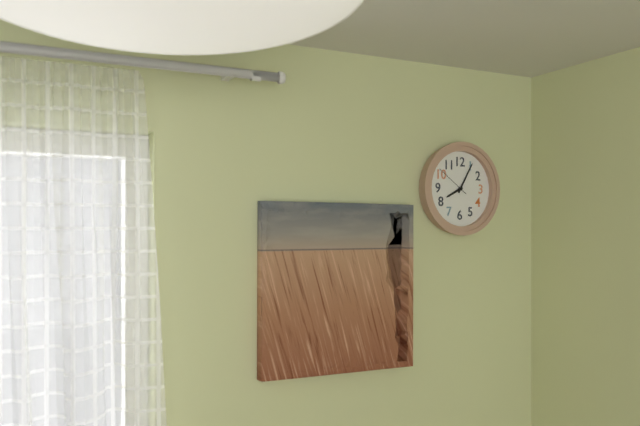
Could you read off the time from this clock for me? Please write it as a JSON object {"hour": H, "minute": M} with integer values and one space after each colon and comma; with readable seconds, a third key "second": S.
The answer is {"hour": 8, "minute": 5}
